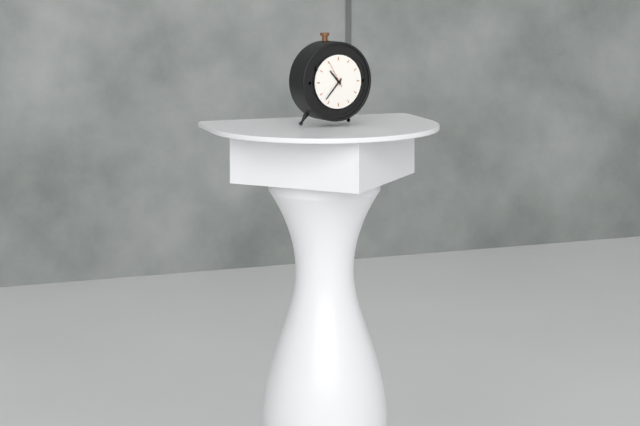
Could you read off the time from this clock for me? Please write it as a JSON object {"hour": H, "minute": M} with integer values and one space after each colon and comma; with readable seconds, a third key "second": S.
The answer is {"hour": 10, "minute": 37}
